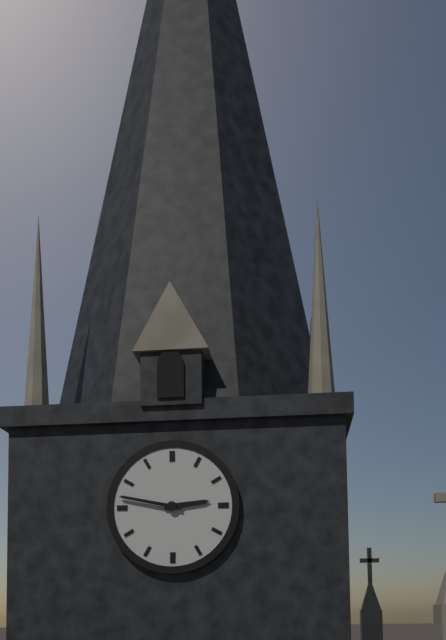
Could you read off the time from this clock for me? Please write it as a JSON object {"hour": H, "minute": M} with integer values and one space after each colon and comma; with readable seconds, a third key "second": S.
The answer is {"hour": 2, "minute": 47}
